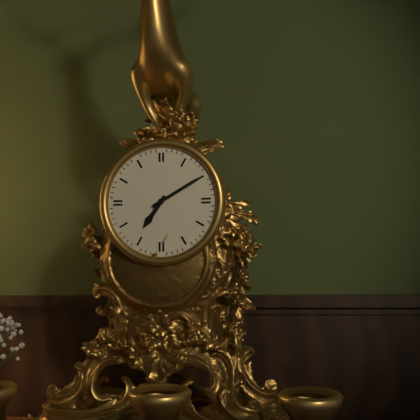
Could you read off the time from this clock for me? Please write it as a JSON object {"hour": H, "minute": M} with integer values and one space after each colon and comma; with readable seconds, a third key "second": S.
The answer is {"hour": 7, "minute": 10}
